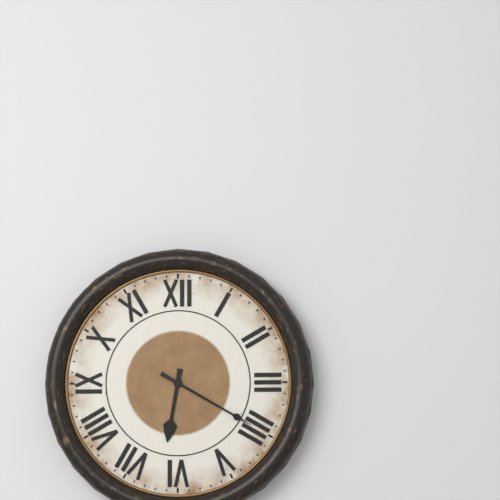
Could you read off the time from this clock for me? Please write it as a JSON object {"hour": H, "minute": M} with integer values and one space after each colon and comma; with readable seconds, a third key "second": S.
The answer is {"hour": 6, "minute": 20}
